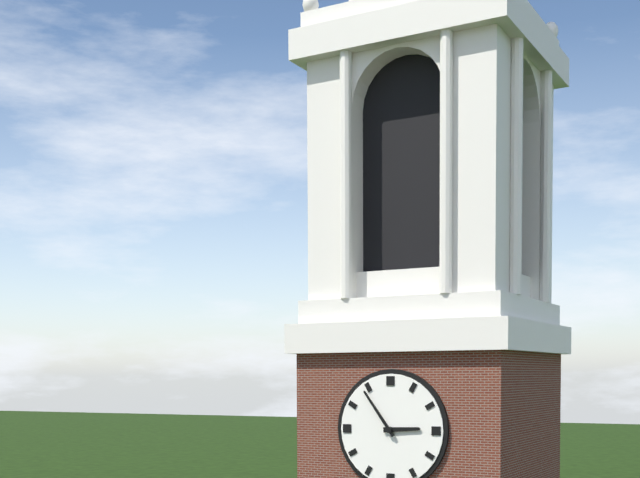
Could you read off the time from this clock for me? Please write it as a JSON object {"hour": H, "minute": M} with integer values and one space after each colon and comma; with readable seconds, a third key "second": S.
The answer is {"hour": 2, "minute": 54}
